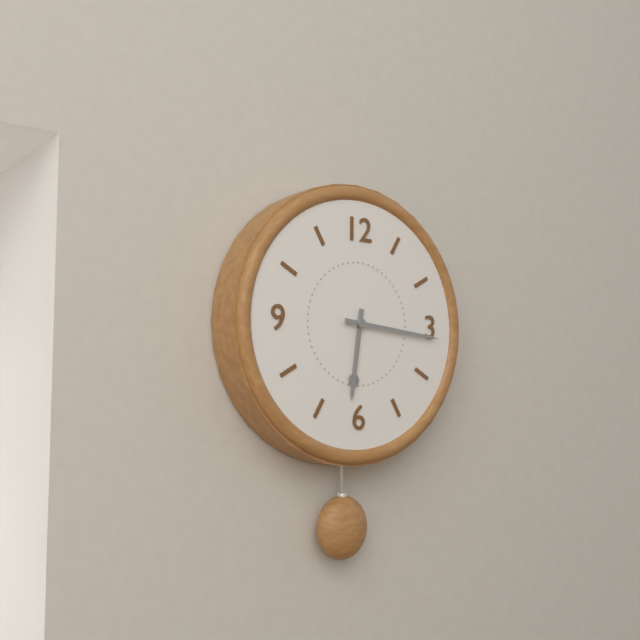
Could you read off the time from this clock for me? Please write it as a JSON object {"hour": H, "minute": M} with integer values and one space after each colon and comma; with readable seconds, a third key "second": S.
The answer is {"hour": 6, "minute": 16}
